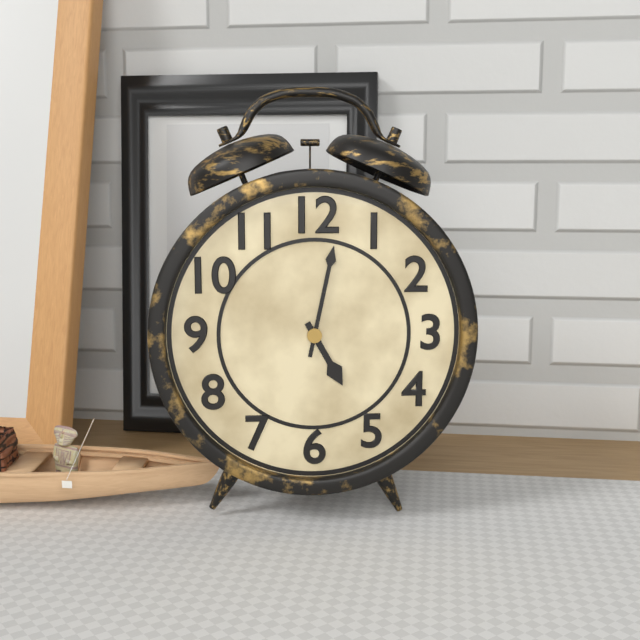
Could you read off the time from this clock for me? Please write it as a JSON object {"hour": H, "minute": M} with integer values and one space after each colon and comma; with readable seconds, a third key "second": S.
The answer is {"hour": 5, "minute": 2}
